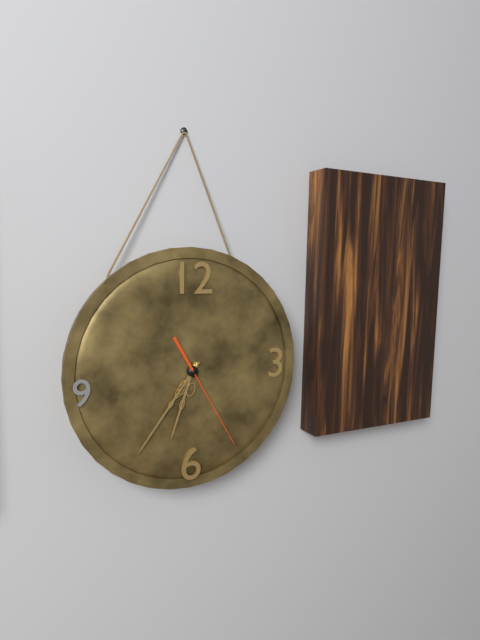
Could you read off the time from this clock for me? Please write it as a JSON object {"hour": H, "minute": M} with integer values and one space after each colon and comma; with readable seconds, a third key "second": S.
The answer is {"hour": 6, "minute": 36, "second": 25}
